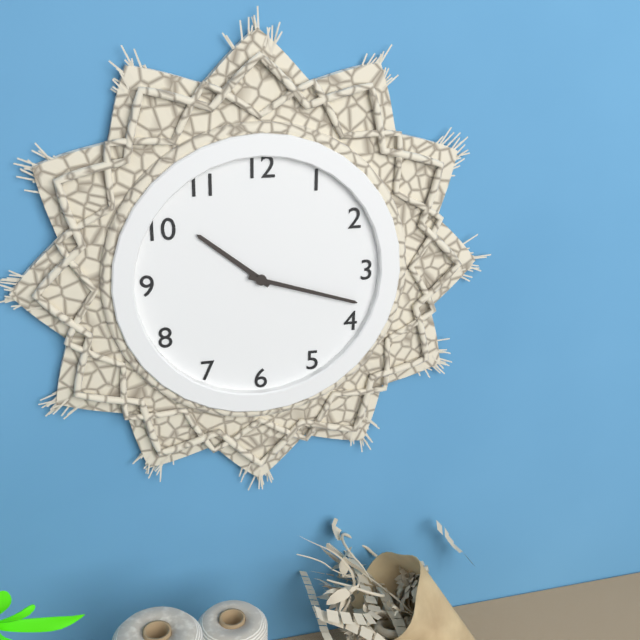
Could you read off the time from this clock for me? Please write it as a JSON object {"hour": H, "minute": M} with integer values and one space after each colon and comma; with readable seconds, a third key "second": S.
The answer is {"hour": 10, "minute": 18}
